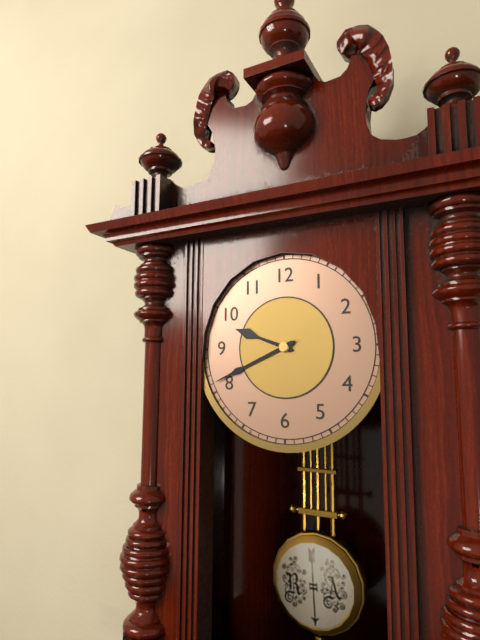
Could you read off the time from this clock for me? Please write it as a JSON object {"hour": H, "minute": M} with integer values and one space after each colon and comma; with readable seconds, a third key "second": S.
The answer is {"hour": 9, "minute": 41}
